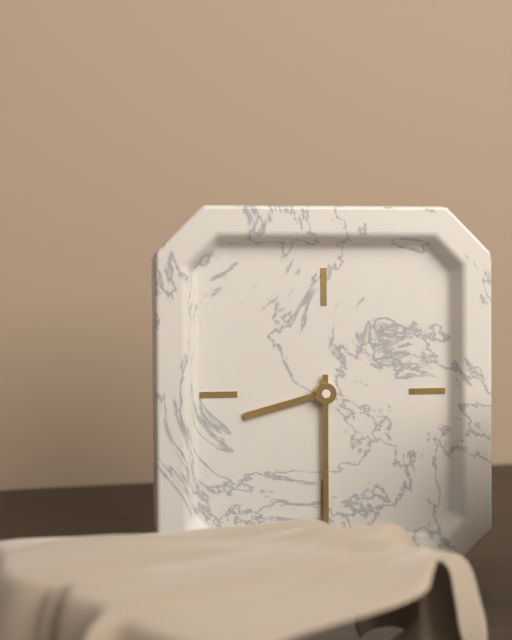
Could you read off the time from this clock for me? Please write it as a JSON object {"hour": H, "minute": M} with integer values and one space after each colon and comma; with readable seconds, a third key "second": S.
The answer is {"hour": 8, "minute": 30}
